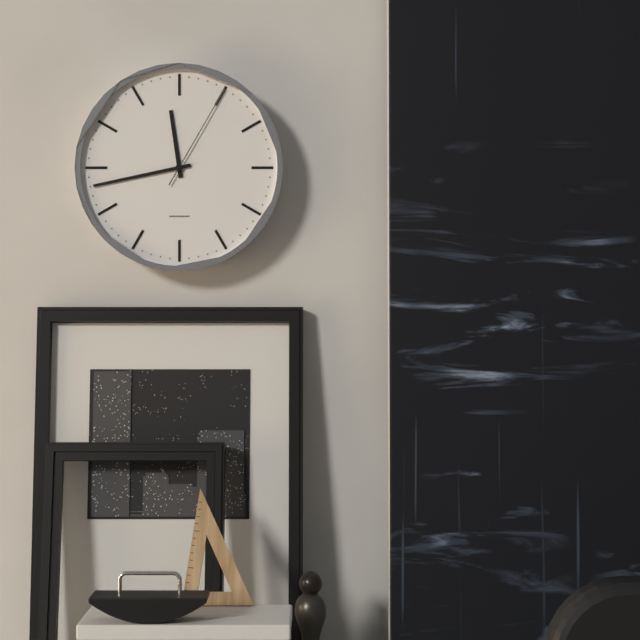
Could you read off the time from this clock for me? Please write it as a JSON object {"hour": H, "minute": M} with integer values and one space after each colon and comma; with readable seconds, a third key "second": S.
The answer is {"hour": 11, "minute": 43, "second": 5}
